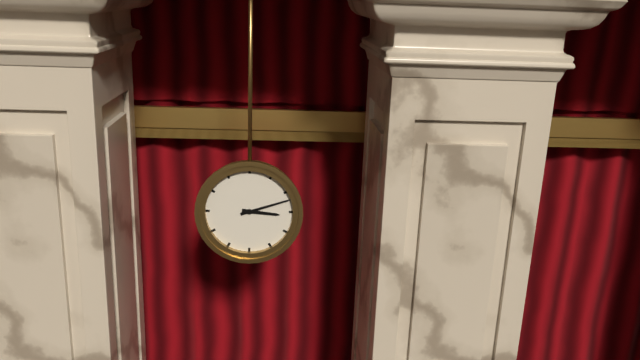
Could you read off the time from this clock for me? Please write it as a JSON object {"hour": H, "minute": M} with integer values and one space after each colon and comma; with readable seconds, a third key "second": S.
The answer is {"hour": 3, "minute": 12}
